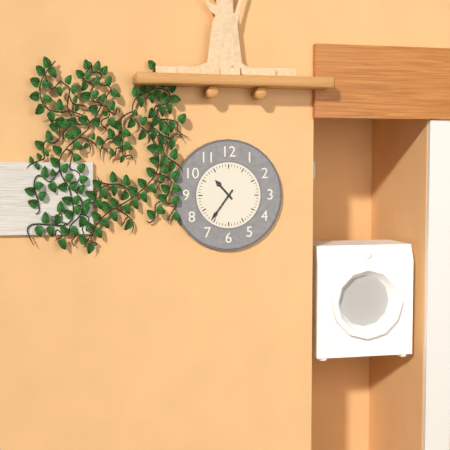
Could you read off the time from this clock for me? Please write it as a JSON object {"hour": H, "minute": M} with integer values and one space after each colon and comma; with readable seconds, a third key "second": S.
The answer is {"hour": 10, "minute": 36}
